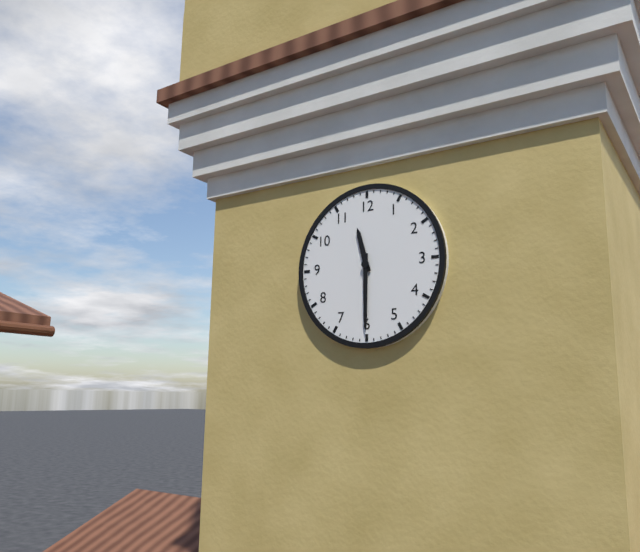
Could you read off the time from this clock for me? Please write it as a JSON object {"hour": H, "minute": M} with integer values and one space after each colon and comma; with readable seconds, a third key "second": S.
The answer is {"hour": 11, "minute": 30}
